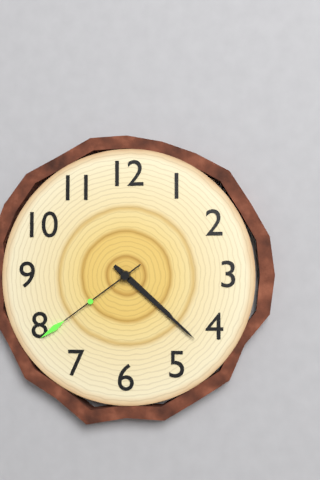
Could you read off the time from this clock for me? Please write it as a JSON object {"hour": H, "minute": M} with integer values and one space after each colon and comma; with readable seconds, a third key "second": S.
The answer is {"hour": 4, "minute": 22, "second": 39}
